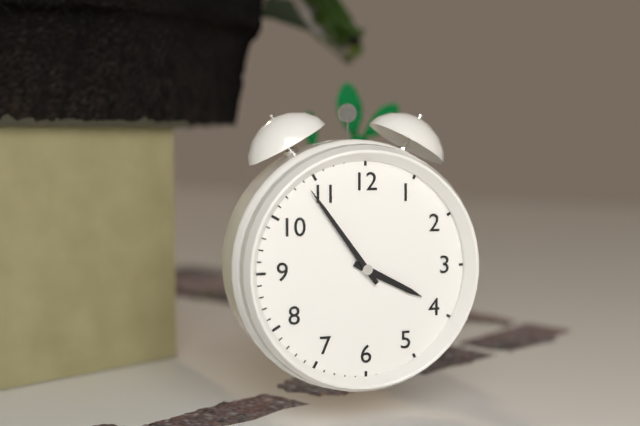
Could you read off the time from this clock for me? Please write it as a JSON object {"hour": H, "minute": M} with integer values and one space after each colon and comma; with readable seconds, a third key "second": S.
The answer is {"hour": 3, "minute": 54}
